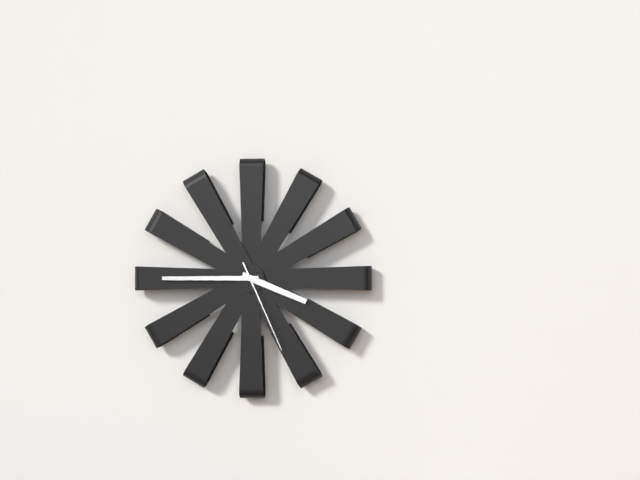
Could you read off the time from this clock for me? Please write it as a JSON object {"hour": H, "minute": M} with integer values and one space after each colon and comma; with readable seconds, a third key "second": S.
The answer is {"hour": 3, "minute": 45, "second": 26}
